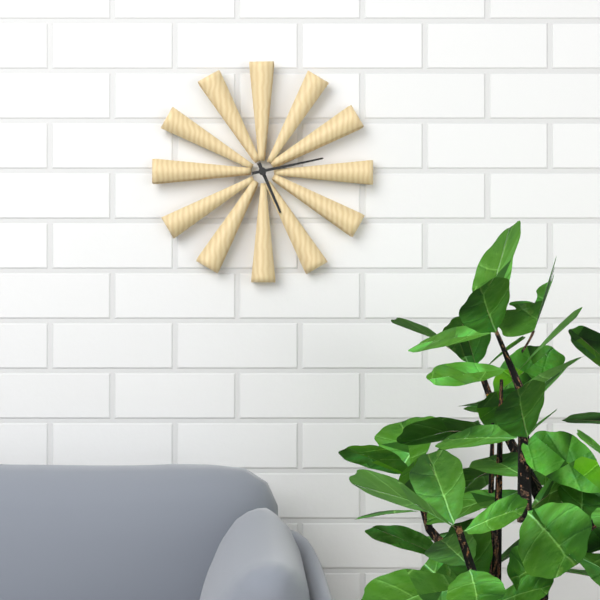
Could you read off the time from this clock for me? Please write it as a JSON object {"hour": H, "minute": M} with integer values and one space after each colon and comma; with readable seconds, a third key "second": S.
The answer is {"hour": 5, "minute": 13}
